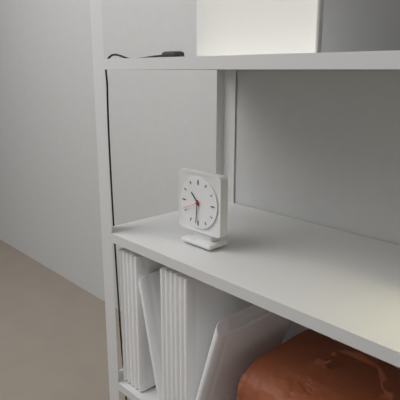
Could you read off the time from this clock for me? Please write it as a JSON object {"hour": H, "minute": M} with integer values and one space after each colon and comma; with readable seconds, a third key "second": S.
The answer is {"hour": 10, "minute": 31}
